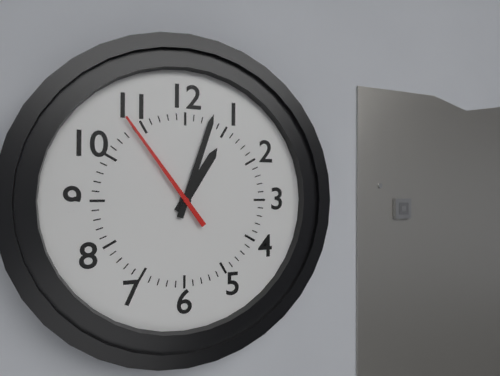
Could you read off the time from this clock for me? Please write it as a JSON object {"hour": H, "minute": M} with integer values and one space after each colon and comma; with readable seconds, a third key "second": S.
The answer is {"hour": 1, "minute": 3, "second": 54}
